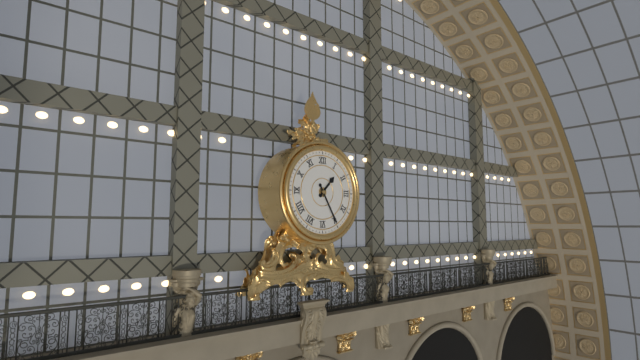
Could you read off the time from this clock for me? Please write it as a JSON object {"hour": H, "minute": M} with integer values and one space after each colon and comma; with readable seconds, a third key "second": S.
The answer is {"hour": 1, "minute": 25}
